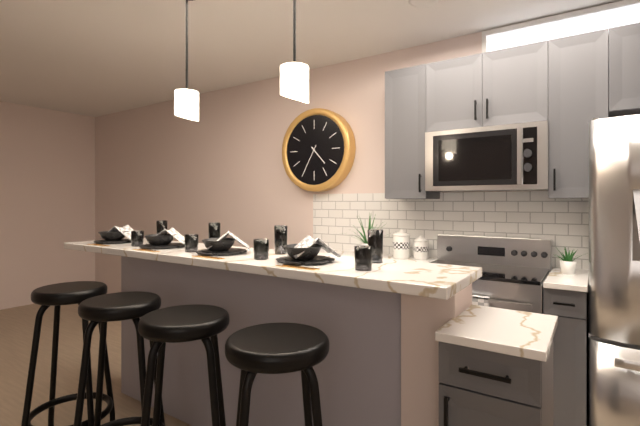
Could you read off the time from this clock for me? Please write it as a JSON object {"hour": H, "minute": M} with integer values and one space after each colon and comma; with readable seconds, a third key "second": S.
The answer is {"hour": 4, "minute": 35}
